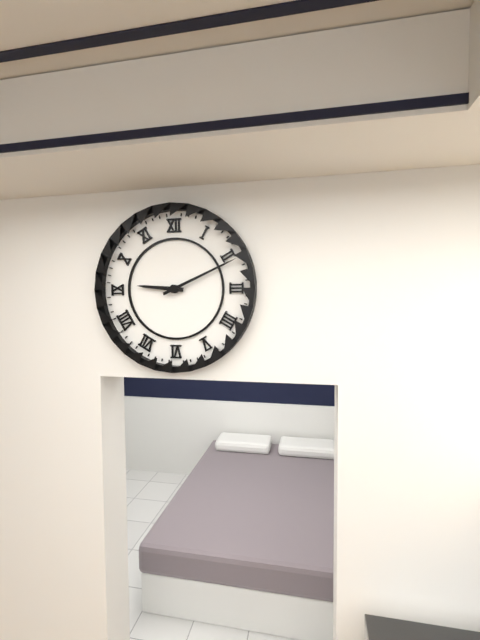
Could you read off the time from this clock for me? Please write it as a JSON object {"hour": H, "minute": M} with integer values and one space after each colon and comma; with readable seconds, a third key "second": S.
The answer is {"hour": 9, "minute": 11}
